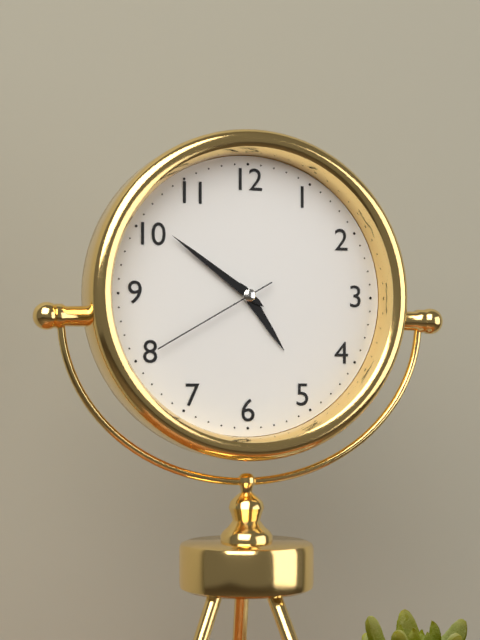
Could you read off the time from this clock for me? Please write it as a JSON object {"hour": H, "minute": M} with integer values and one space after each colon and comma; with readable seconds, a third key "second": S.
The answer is {"hour": 4, "minute": 51, "second": 40}
